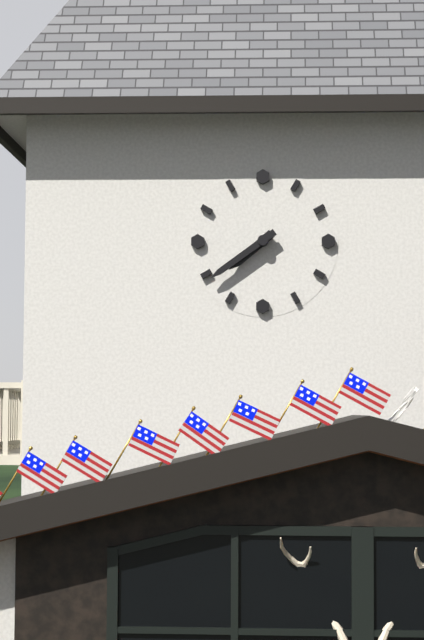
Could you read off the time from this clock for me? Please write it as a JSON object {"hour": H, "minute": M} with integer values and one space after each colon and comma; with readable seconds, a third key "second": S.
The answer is {"hour": 7, "minute": 39}
